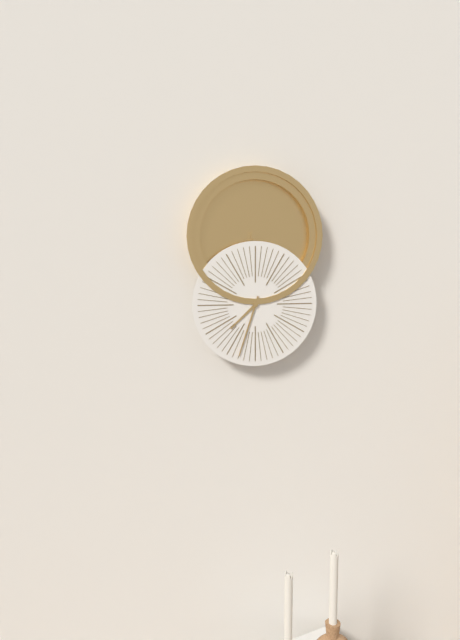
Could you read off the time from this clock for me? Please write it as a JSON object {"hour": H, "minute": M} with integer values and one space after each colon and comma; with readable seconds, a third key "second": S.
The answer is {"hour": 7, "minute": 33}
